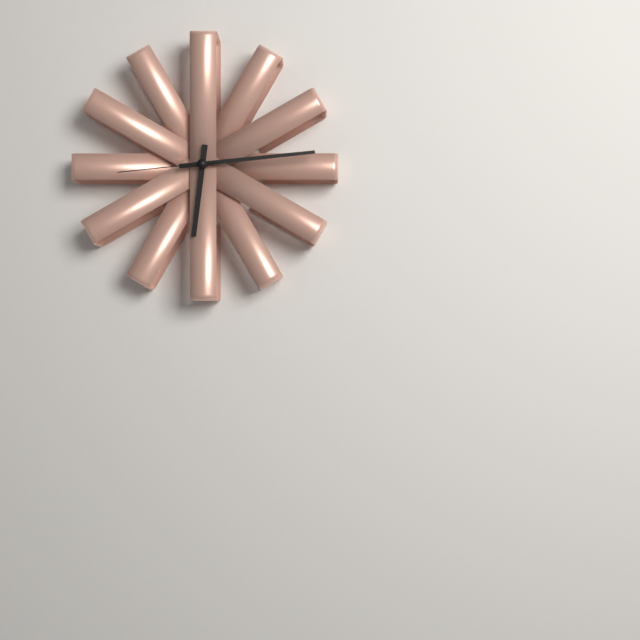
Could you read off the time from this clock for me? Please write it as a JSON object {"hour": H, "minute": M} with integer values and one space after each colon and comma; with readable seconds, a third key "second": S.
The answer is {"hour": 6, "minute": 14, "second": 44}
